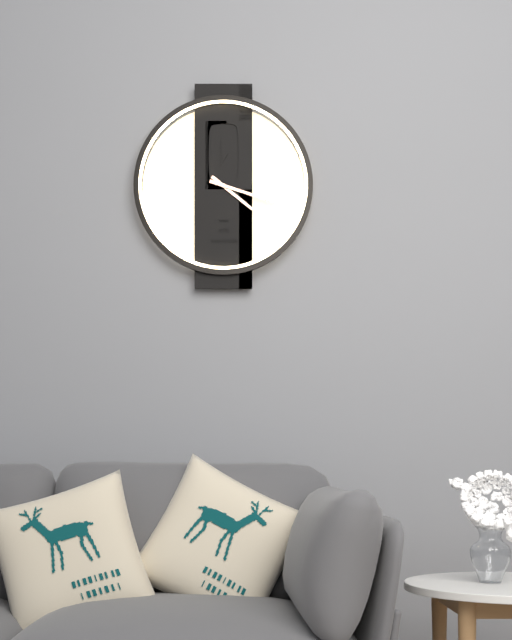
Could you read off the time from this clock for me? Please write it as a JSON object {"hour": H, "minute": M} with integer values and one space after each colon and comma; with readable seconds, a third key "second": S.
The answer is {"hour": 4, "minute": 18}
